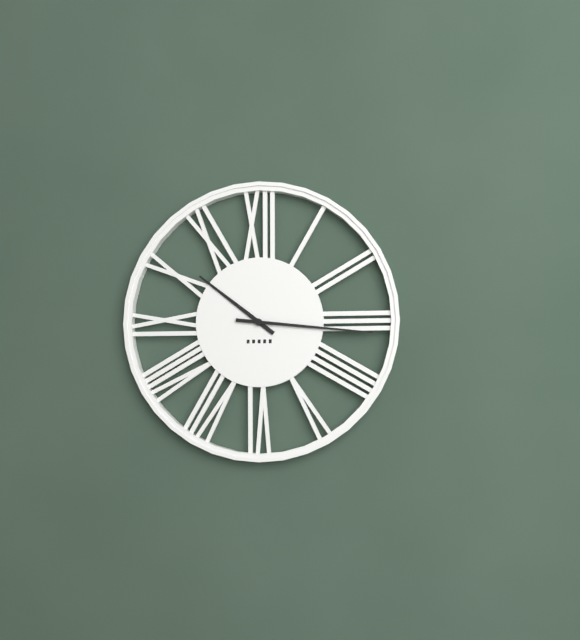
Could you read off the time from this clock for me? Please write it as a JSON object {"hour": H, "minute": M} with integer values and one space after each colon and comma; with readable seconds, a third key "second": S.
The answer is {"hour": 10, "minute": 16}
